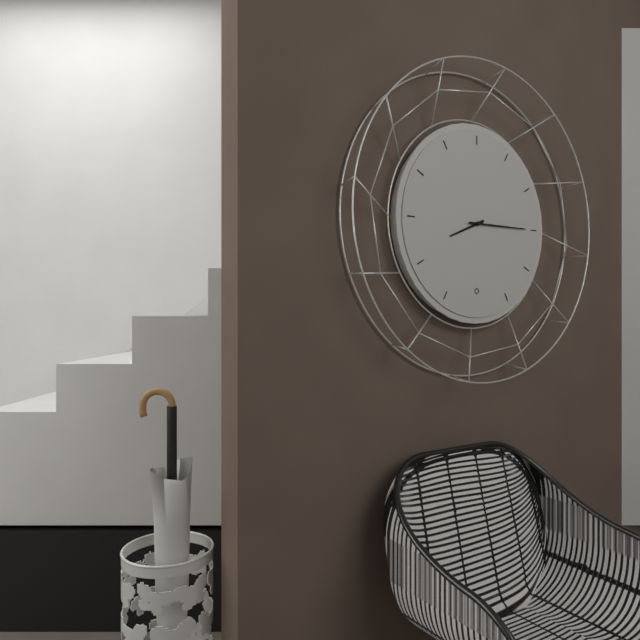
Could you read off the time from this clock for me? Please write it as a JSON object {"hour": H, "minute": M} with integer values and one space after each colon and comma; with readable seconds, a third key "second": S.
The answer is {"hour": 8, "minute": 15}
